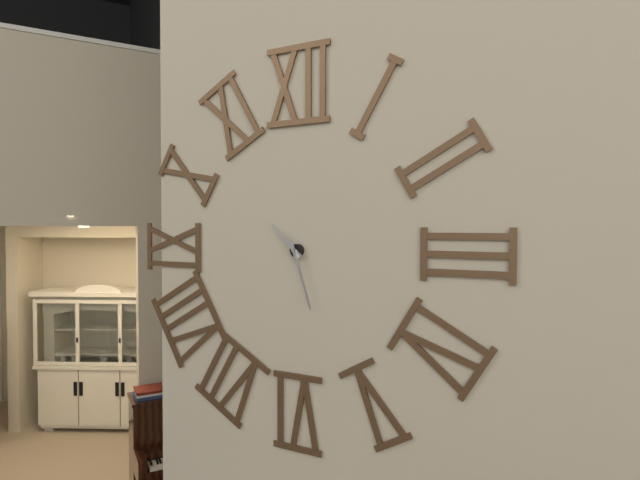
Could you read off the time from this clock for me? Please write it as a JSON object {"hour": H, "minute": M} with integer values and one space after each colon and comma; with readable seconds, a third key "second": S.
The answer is {"hour": 10, "minute": 27}
